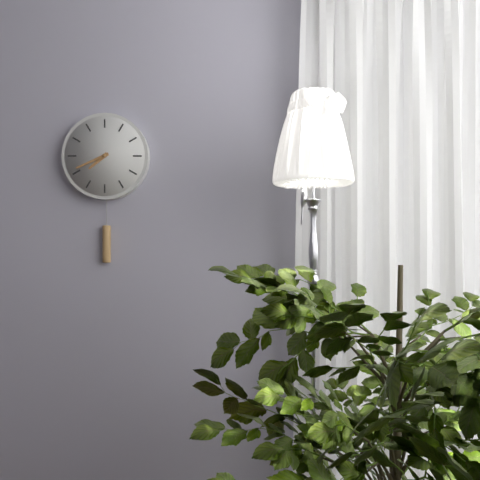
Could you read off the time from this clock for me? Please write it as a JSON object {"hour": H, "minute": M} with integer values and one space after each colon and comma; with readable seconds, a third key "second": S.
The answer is {"hour": 7, "minute": 41}
